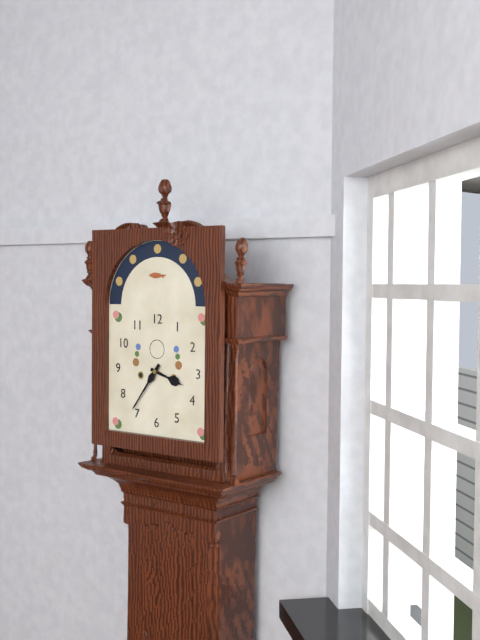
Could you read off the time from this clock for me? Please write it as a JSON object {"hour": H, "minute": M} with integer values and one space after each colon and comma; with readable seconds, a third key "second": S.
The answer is {"hour": 3, "minute": 36}
